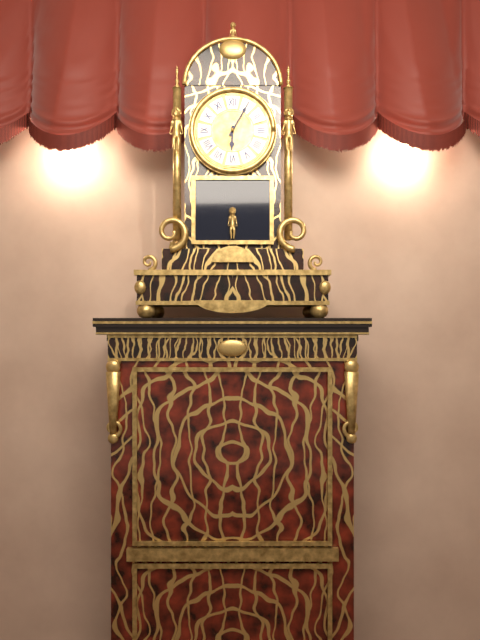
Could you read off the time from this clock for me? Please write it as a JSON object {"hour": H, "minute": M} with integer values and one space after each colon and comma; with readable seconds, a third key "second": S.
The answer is {"hour": 6, "minute": 5}
